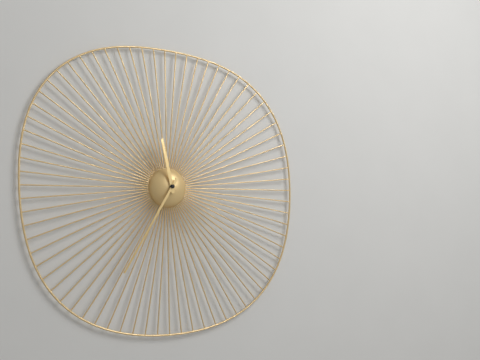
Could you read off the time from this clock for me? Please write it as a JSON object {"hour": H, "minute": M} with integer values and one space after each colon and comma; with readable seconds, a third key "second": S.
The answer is {"hour": 11, "minute": 35}
